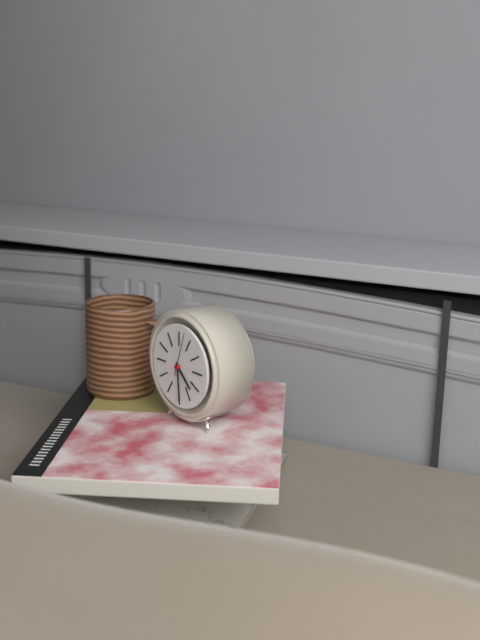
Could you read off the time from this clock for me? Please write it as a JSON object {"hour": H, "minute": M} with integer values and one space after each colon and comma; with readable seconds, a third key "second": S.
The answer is {"hour": 4, "minute": 29}
